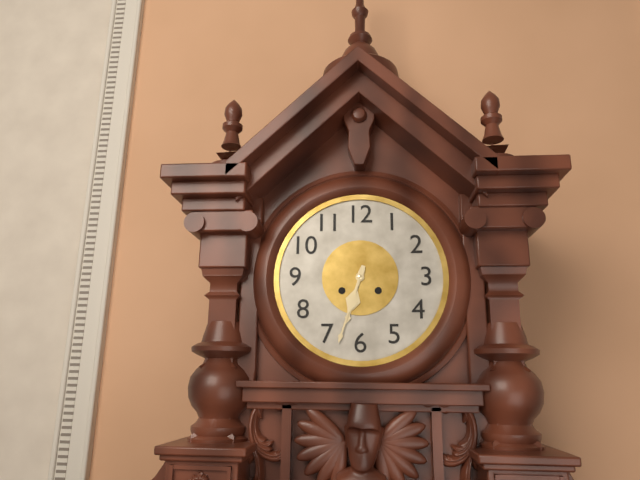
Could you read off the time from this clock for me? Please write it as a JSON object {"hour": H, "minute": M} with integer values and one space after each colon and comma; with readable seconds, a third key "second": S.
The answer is {"hour": 6, "minute": 33}
